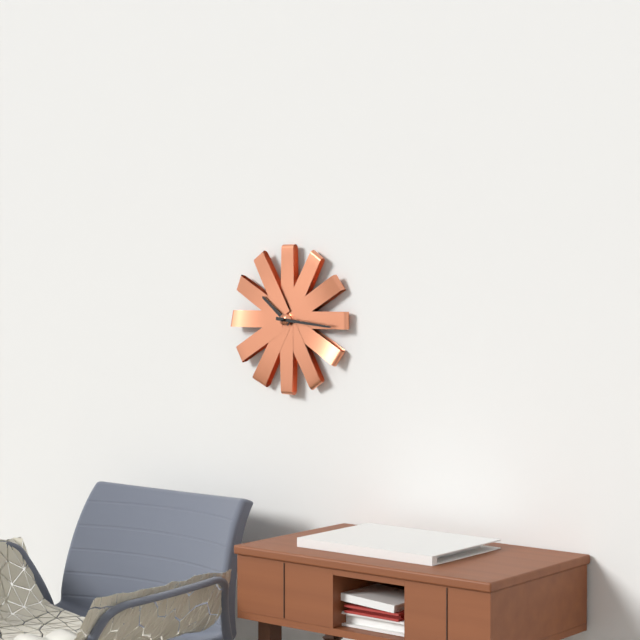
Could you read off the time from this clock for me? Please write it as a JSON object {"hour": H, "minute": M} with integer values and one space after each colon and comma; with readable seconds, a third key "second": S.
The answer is {"hour": 10, "minute": 16}
